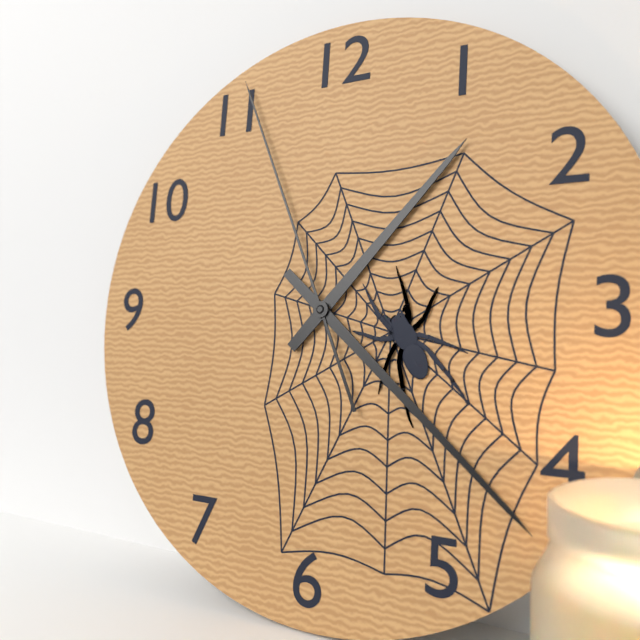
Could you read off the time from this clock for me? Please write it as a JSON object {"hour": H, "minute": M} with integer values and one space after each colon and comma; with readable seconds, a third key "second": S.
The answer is {"hour": 1, "minute": 22, "second": 56}
